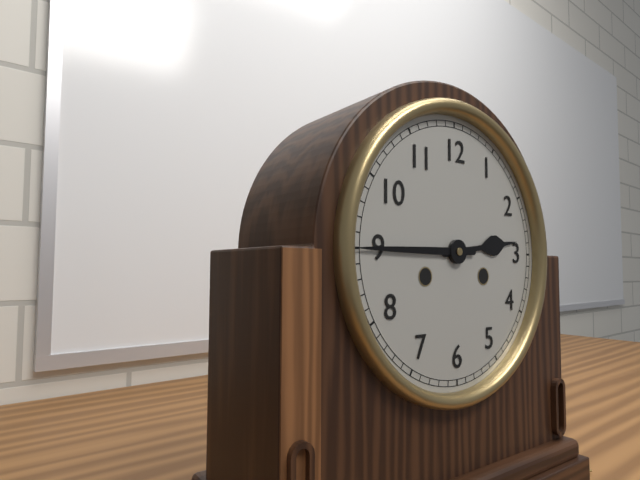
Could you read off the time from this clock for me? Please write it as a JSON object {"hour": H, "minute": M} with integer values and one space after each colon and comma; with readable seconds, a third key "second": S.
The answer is {"hour": 2, "minute": 45}
